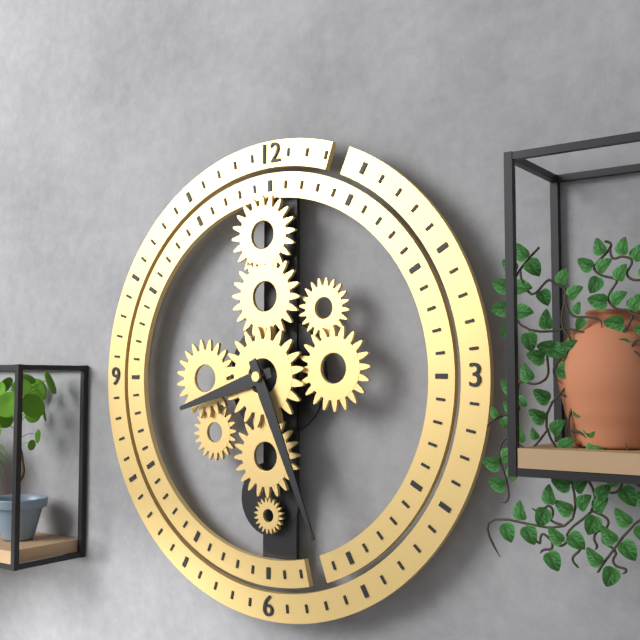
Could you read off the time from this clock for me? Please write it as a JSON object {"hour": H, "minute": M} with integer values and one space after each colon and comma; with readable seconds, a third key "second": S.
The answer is {"hour": 8, "minute": 26}
